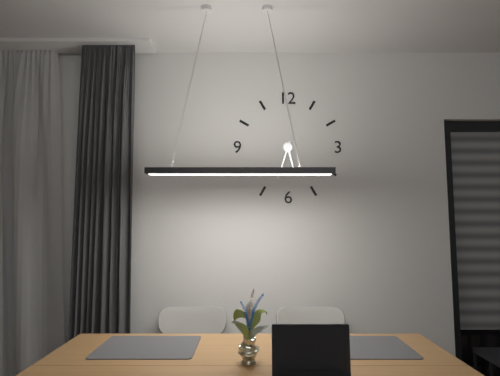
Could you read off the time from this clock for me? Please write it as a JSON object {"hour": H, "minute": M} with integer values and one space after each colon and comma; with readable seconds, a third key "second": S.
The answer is {"hour": 5, "minute": 33}
